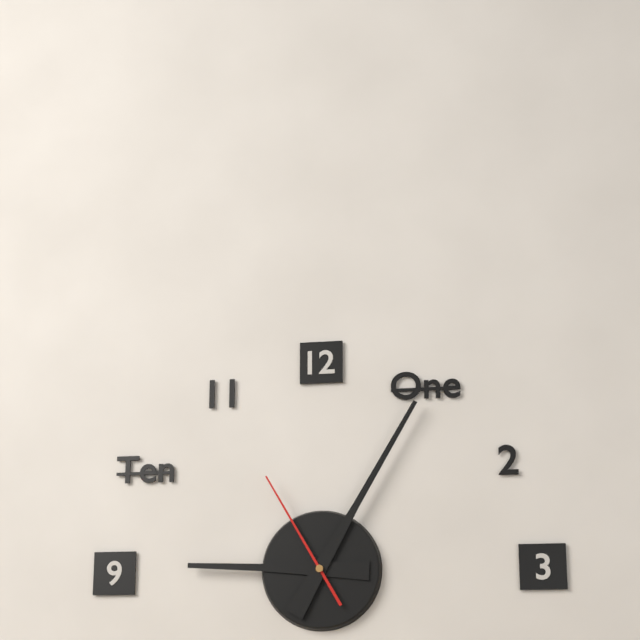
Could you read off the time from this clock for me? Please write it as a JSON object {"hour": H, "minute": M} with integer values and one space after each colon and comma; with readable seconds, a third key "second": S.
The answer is {"hour": 9, "minute": 5, "second": 55}
